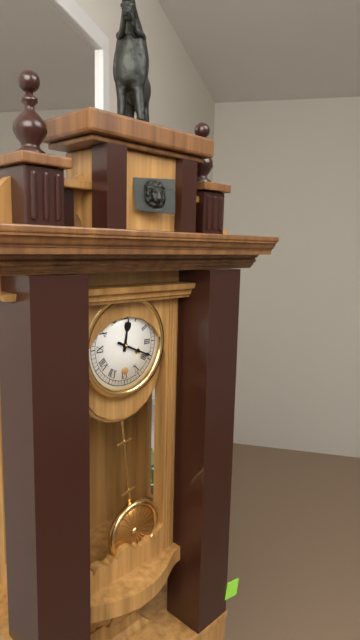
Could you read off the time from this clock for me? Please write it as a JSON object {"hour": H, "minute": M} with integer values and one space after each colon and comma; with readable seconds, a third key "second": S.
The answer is {"hour": 12, "minute": 19}
